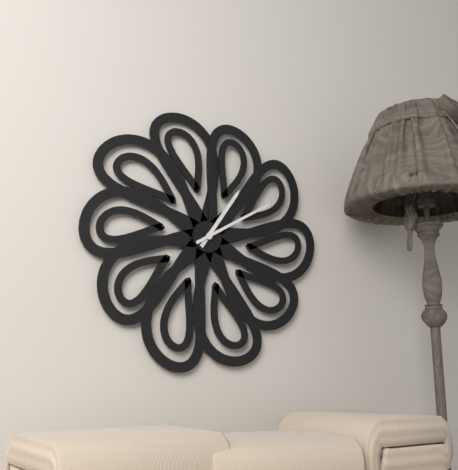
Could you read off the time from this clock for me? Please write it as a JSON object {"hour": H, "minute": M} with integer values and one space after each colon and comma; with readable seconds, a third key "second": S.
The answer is {"hour": 1, "minute": 10}
